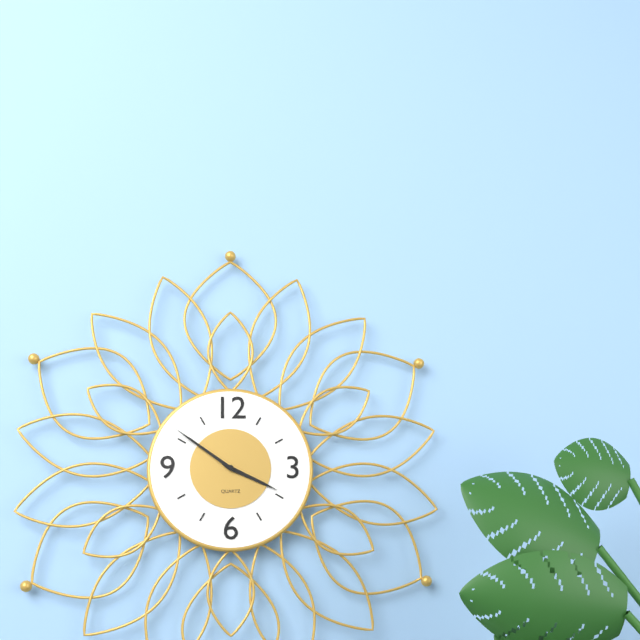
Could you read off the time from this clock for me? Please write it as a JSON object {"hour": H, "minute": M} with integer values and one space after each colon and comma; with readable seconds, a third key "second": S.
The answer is {"hour": 3, "minute": 51}
